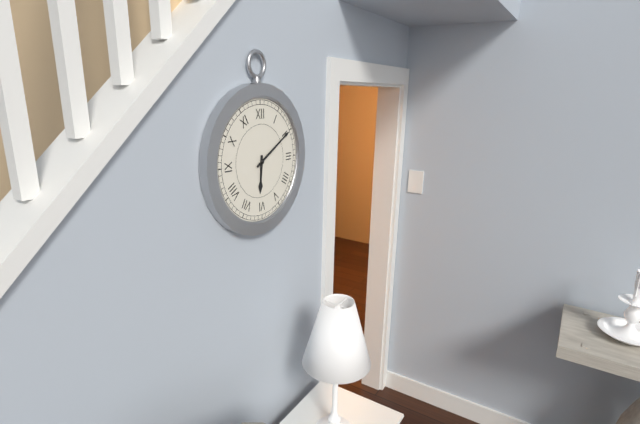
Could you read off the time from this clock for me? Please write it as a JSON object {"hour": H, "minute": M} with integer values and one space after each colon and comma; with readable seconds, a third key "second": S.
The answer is {"hour": 6, "minute": 10}
